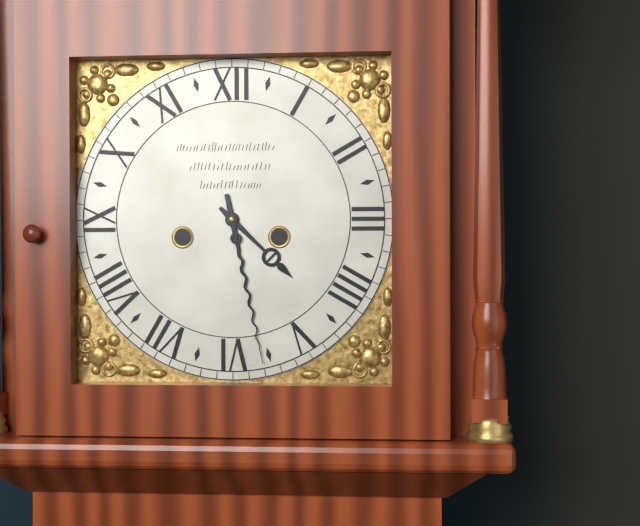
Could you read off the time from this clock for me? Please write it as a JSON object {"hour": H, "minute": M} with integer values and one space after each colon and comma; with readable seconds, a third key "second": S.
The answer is {"hour": 4, "minute": 28}
